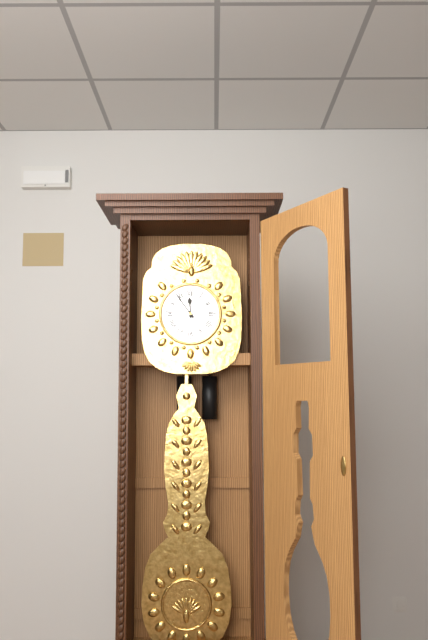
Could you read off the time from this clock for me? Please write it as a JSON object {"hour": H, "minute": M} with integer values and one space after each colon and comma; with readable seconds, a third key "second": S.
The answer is {"hour": 11, "minute": 54}
